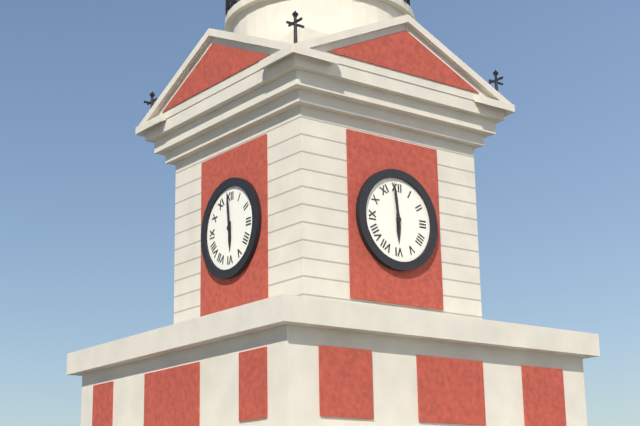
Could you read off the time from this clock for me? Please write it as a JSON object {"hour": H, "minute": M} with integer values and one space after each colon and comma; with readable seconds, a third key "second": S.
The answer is {"hour": 5, "minute": 59}
